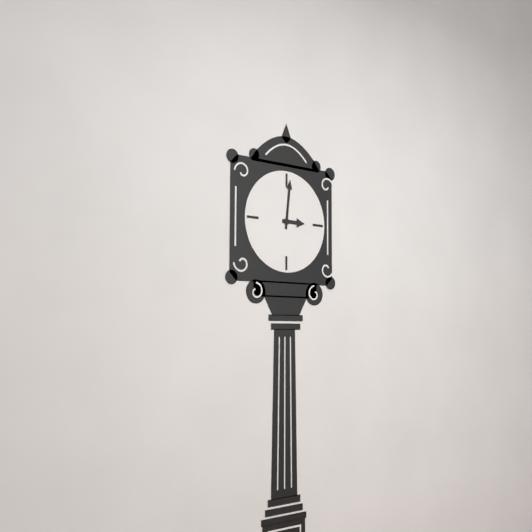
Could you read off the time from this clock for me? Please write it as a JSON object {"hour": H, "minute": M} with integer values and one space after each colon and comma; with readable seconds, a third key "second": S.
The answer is {"hour": 3, "minute": 1}
